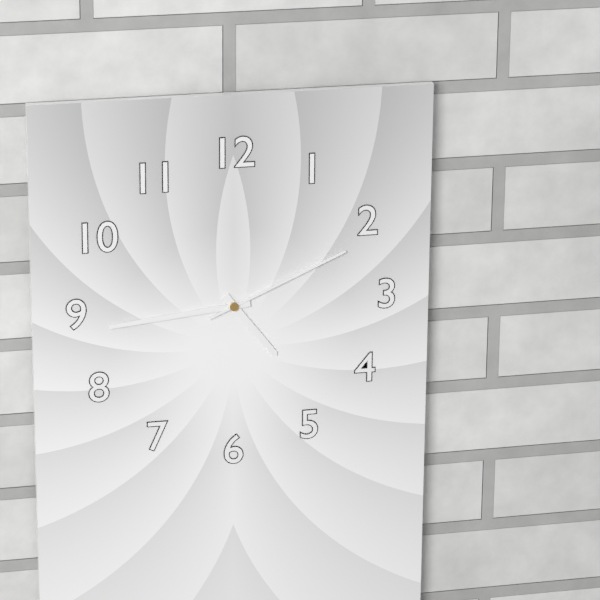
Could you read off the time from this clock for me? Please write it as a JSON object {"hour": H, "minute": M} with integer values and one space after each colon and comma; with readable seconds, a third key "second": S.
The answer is {"hour": 4, "minute": 44, "second": 11}
